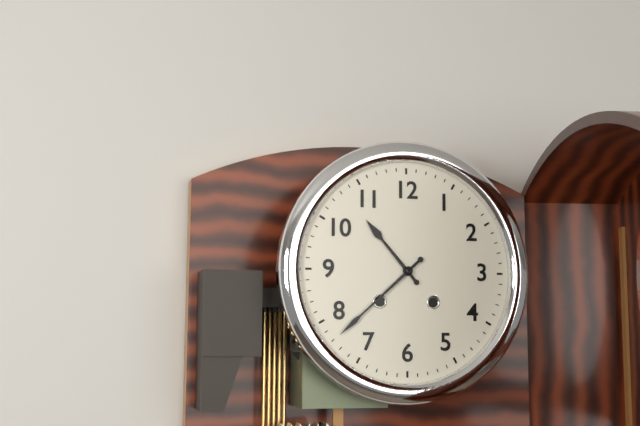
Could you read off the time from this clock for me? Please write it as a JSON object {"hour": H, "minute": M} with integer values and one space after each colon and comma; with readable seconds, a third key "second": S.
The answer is {"hour": 10, "minute": 38}
